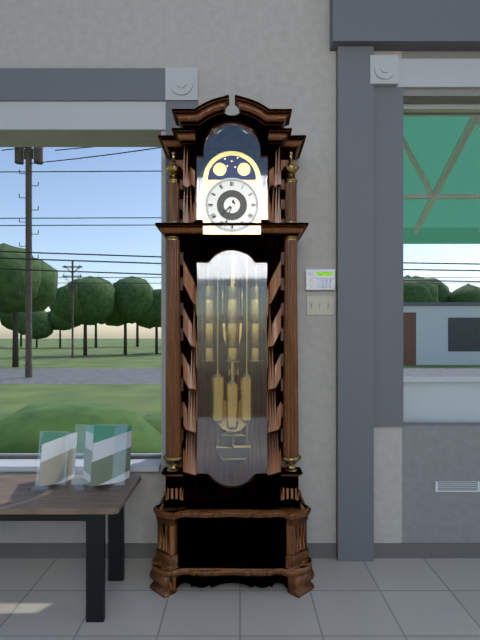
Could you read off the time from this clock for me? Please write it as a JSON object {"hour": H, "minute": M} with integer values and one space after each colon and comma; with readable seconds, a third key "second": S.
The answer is {"hour": 7, "minute": 33}
